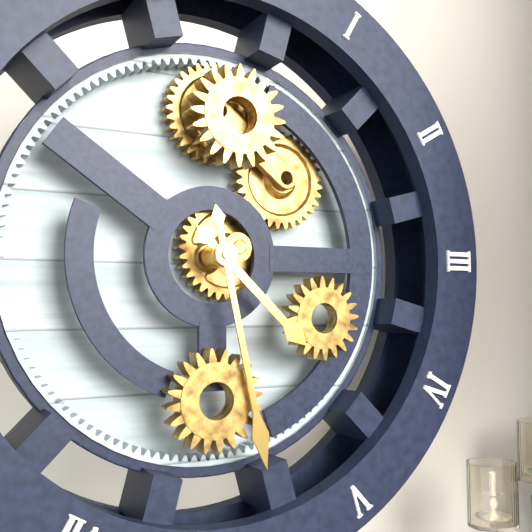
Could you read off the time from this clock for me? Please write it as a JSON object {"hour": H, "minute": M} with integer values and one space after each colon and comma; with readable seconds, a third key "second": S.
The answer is {"hour": 4, "minute": 28}
